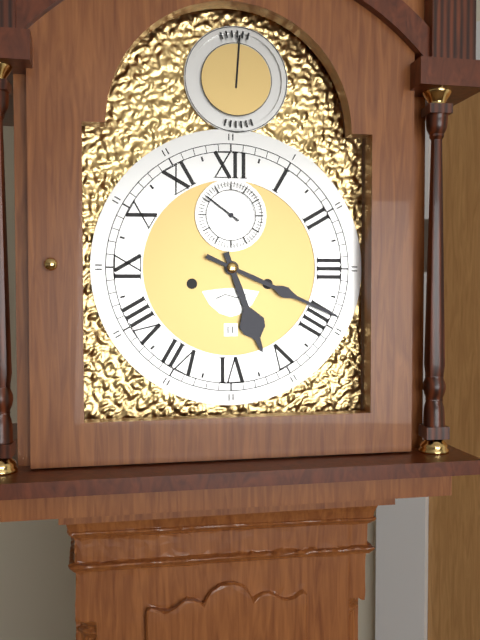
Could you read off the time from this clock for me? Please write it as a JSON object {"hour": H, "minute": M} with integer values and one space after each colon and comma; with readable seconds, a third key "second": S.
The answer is {"hour": 5, "minute": 19}
